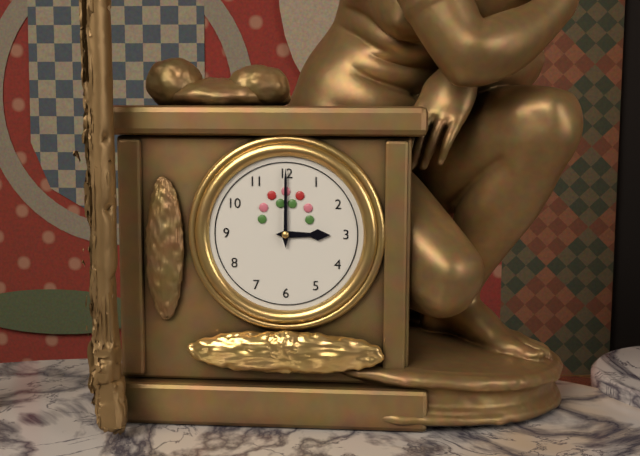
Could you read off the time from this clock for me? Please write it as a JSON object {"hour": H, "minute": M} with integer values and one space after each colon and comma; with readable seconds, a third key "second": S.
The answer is {"hour": 3, "minute": 0}
